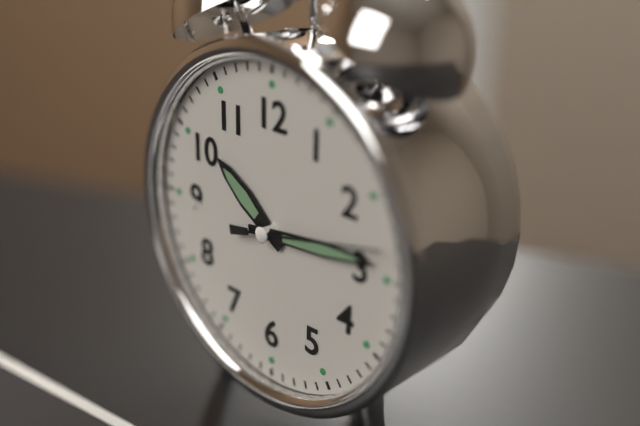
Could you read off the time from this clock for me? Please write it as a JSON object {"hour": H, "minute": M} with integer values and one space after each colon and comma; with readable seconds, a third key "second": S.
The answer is {"hour": 10, "minute": 14, "second": 13}
